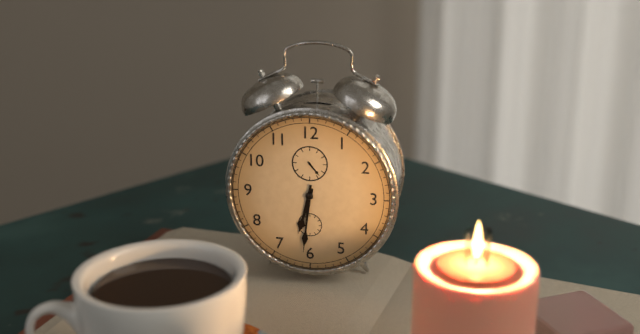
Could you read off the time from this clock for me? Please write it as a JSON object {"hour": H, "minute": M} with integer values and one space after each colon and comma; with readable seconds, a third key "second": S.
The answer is {"hour": 6, "minute": 31}
